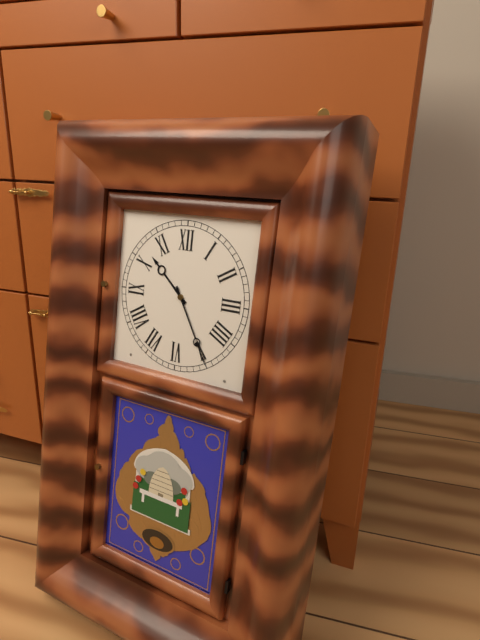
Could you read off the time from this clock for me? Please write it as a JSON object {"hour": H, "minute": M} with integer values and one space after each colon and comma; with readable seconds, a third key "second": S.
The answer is {"hour": 10, "minute": 25}
